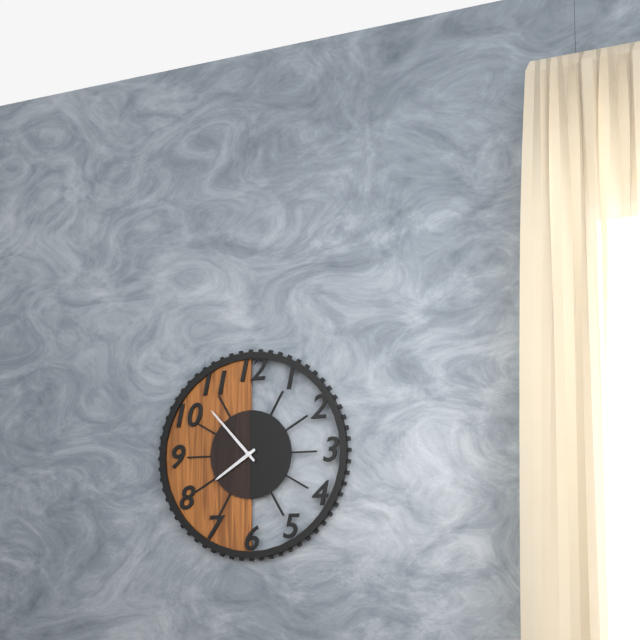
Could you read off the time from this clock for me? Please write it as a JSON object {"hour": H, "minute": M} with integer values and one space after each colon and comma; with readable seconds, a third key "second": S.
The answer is {"hour": 7, "minute": 53}
